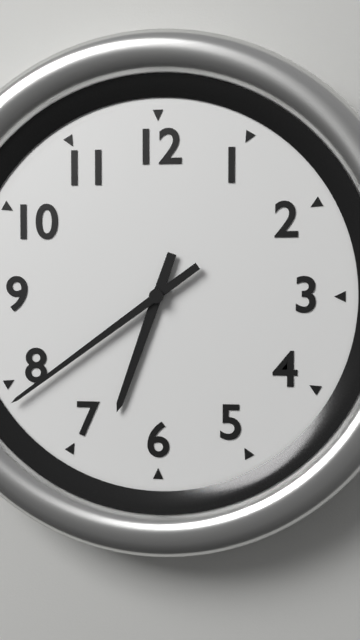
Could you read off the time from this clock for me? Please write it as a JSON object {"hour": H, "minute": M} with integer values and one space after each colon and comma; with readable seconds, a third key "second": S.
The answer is {"hour": 6, "minute": 39}
